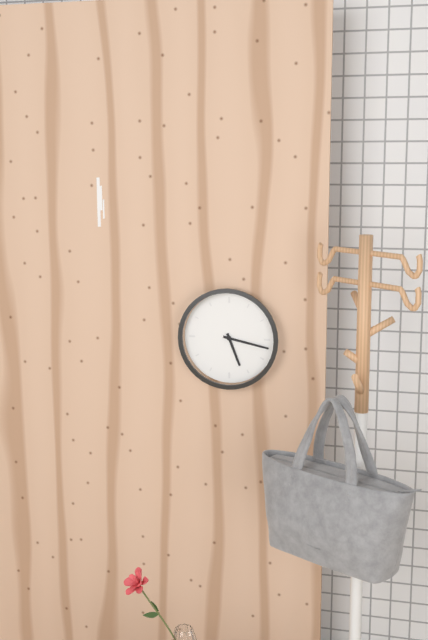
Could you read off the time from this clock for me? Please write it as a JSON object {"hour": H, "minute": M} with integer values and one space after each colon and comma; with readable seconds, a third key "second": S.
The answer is {"hour": 5, "minute": 17}
